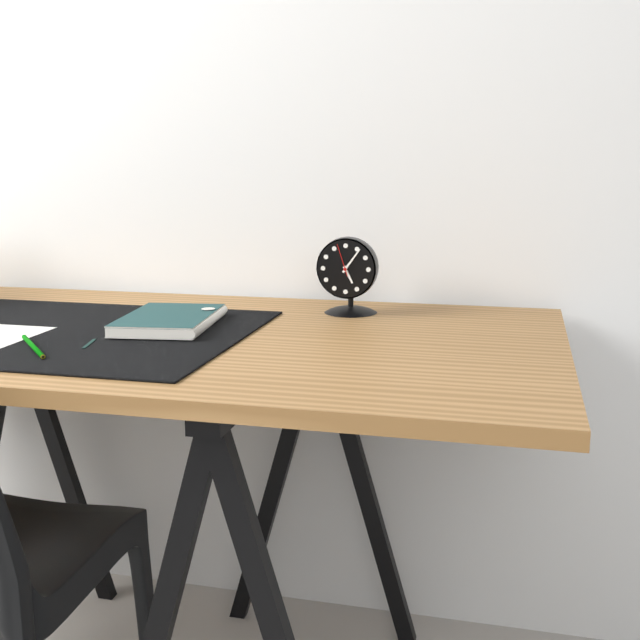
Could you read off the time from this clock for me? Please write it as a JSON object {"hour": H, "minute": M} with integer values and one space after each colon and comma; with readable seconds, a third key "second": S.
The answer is {"hour": 5, "minute": 6}
